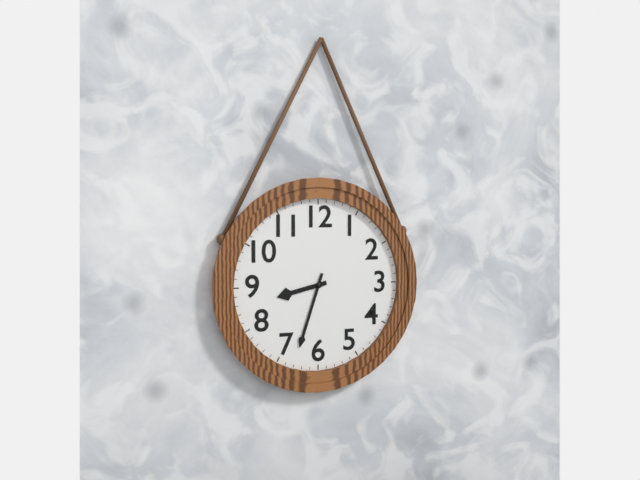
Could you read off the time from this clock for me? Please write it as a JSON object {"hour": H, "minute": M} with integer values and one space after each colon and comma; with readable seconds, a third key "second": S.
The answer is {"hour": 8, "minute": 33}
